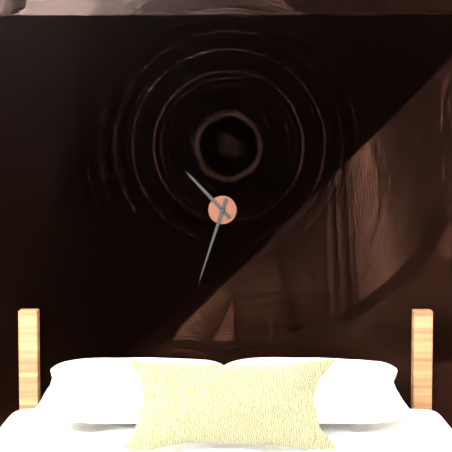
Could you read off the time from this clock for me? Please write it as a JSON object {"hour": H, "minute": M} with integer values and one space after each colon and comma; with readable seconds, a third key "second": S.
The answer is {"hour": 10, "minute": 33}
